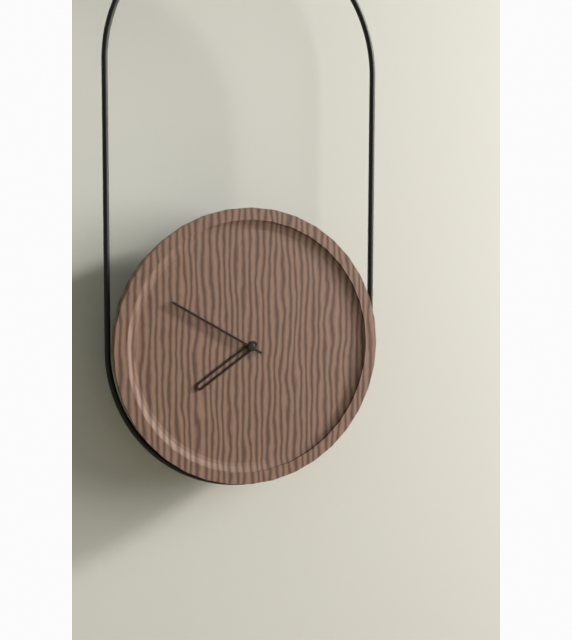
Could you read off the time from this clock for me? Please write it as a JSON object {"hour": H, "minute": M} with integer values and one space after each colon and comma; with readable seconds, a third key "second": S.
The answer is {"hour": 7, "minute": 50}
